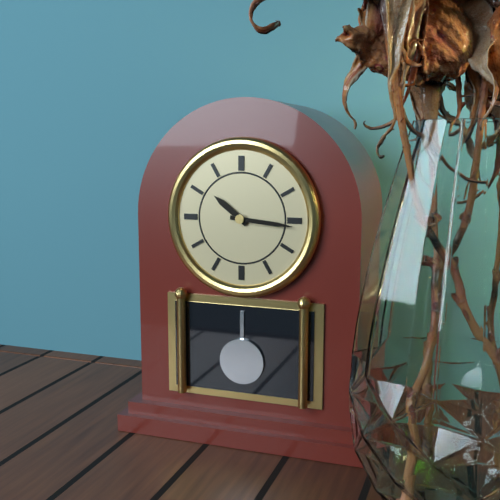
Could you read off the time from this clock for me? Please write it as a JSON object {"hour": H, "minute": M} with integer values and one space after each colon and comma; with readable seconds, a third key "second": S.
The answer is {"hour": 10, "minute": 16}
